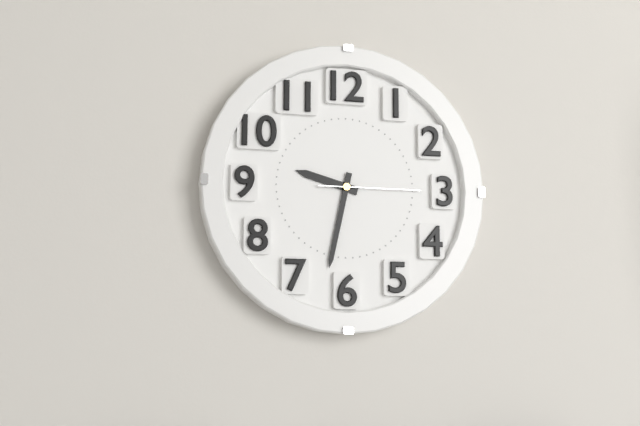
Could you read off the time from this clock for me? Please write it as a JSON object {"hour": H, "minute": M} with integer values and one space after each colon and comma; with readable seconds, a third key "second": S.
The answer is {"hour": 9, "minute": 32, "second": 15}
